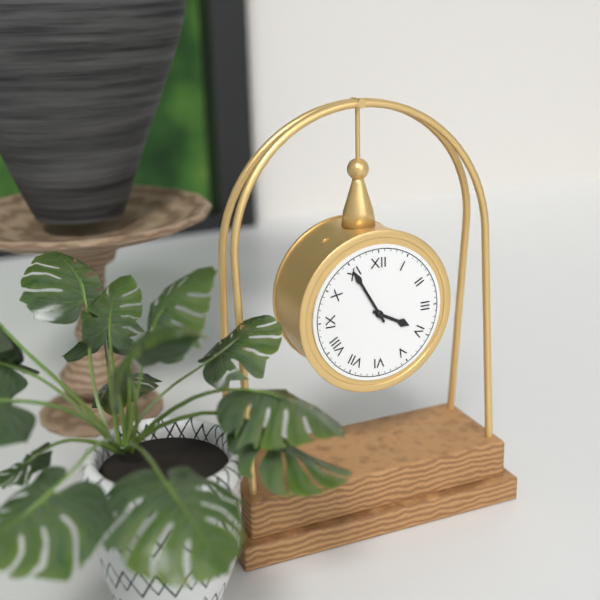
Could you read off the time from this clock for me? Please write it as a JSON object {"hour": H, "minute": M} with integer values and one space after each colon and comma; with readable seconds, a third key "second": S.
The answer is {"hour": 3, "minute": 55}
